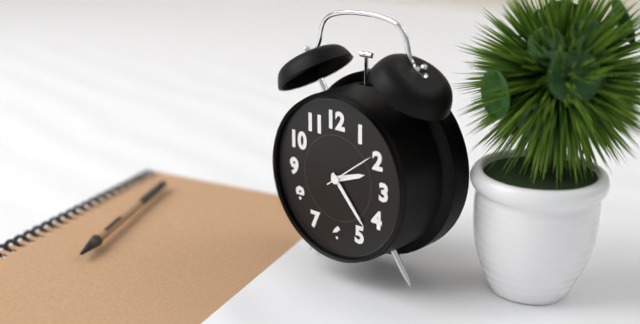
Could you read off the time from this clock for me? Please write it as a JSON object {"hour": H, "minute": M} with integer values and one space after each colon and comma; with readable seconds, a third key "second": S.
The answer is {"hour": 2, "minute": 23, "second": 9}
